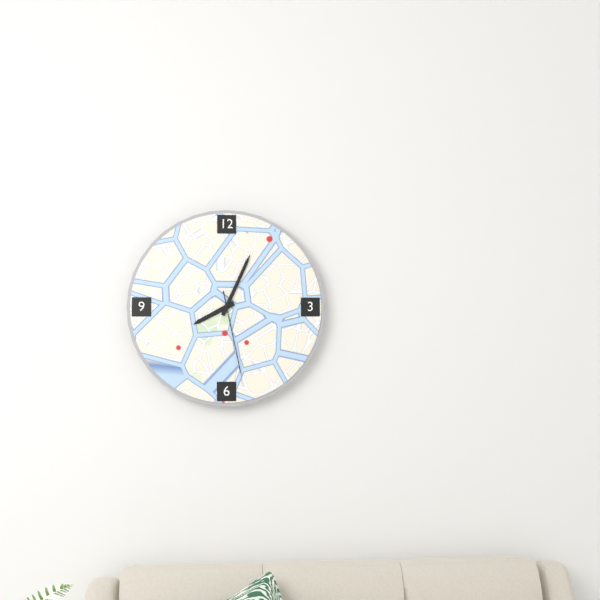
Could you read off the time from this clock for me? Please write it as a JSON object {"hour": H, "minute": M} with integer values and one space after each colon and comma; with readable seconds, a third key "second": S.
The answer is {"hour": 8, "minute": 4, "second": 28}
